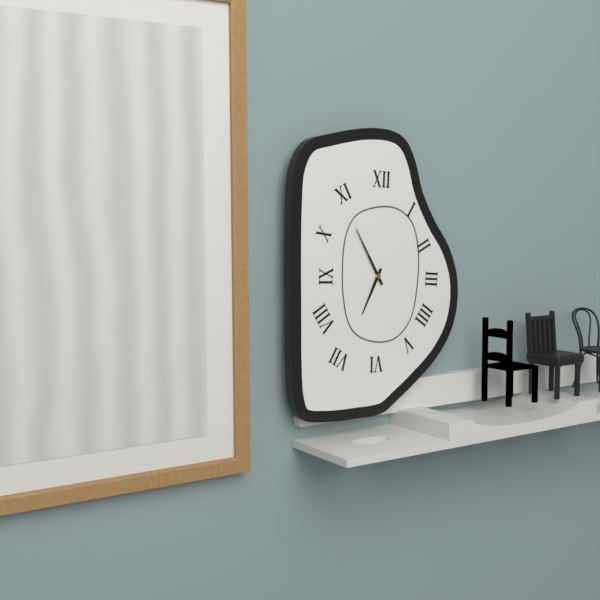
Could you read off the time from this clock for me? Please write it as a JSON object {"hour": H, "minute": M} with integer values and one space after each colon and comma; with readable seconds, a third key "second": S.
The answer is {"hour": 6, "minute": 55}
